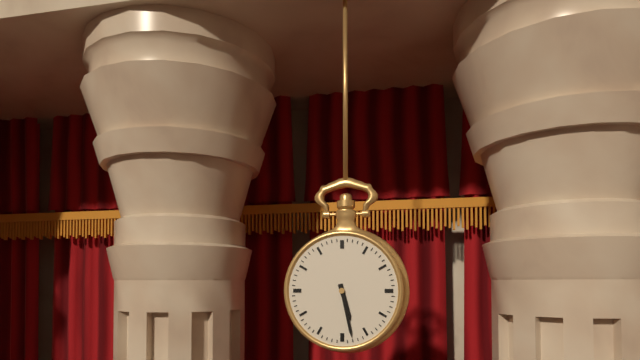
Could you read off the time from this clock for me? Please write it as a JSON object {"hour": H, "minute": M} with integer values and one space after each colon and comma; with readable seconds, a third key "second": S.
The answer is {"hour": 5, "minute": 28}
